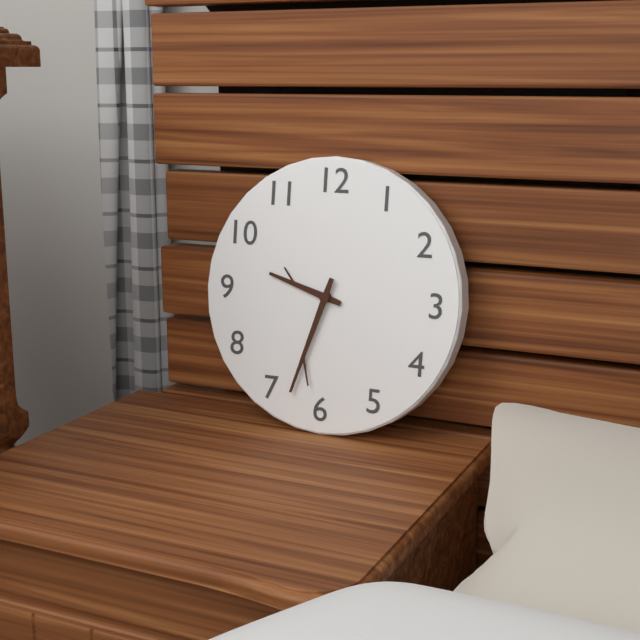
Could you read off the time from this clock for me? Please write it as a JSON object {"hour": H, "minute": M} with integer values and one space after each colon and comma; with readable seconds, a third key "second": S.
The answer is {"hour": 9, "minute": 33}
